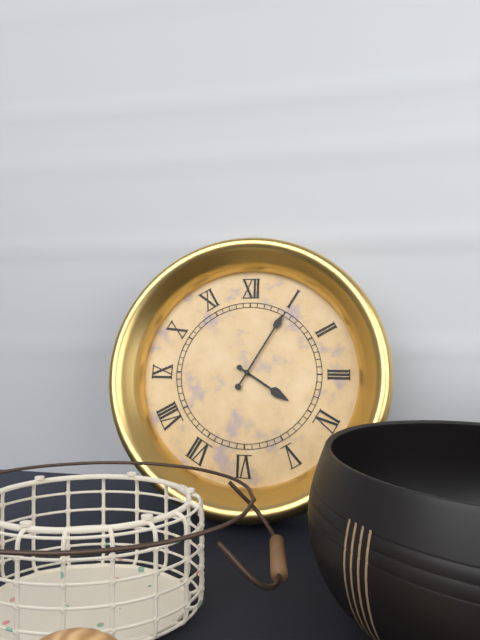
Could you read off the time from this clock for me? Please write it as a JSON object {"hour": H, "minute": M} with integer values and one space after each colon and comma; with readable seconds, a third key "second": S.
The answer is {"hour": 4, "minute": 5}
